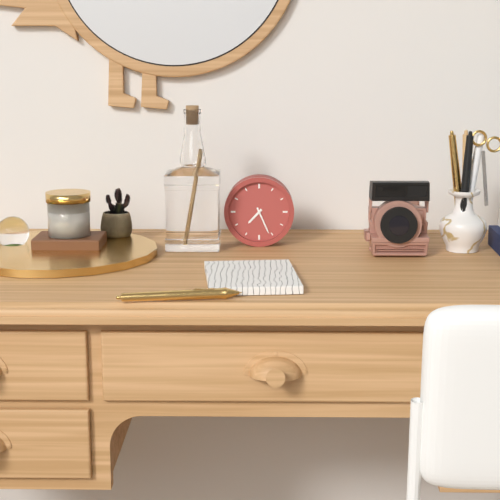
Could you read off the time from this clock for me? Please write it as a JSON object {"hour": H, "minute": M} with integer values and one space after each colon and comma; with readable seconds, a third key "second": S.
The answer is {"hour": 7, "minute": 26}
